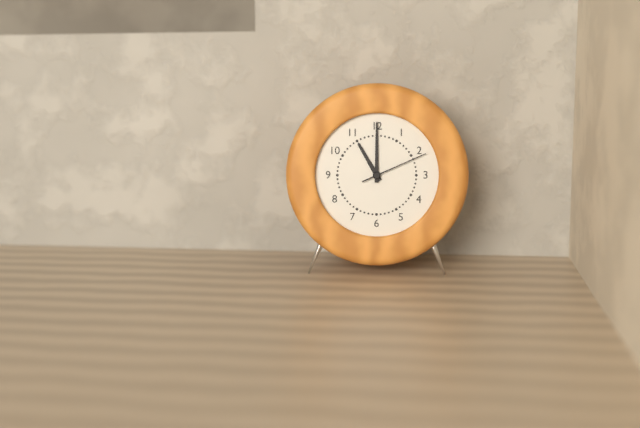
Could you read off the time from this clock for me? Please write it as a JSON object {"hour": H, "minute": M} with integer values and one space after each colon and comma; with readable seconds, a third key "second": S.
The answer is {"hour": 11, "minute": 0, "second": 11}
